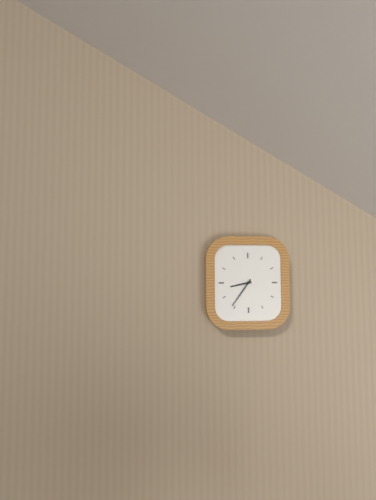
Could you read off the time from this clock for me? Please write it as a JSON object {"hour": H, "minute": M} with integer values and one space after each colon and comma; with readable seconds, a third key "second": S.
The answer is {"hour": 8, "minute": 36}
